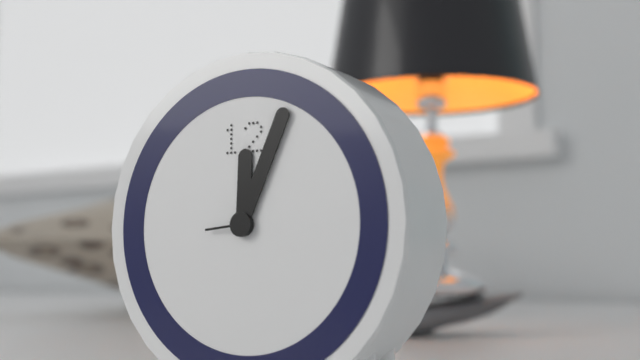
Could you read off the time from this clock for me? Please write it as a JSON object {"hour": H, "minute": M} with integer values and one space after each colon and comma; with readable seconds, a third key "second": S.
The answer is {"hour": 12, "minute": 4, "second": 44}
